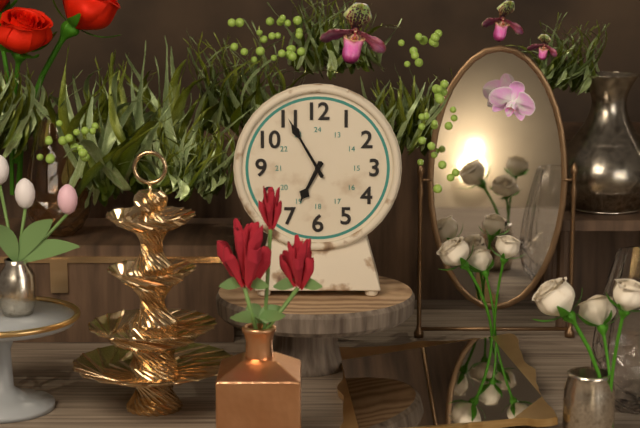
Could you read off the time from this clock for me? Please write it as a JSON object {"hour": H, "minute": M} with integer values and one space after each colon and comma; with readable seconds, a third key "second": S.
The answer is {"hour": 6, "minute": 55}
